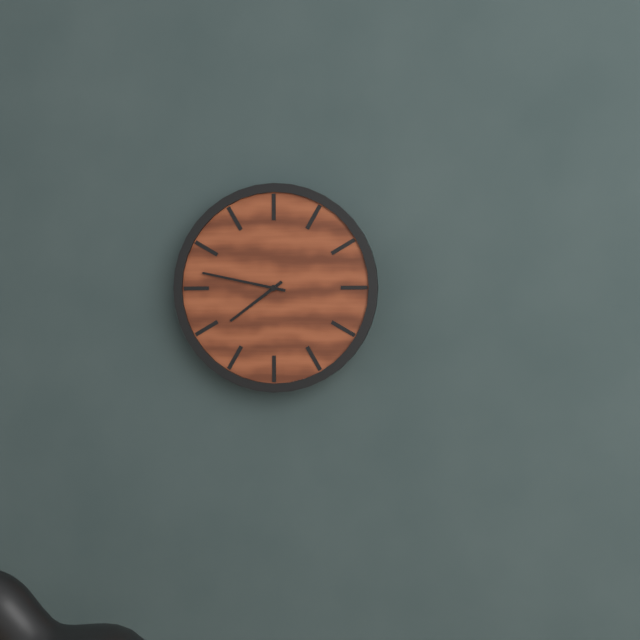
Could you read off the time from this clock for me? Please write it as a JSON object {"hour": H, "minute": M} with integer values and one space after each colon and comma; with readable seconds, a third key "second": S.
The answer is {"hour": 7, "minute": 47}
